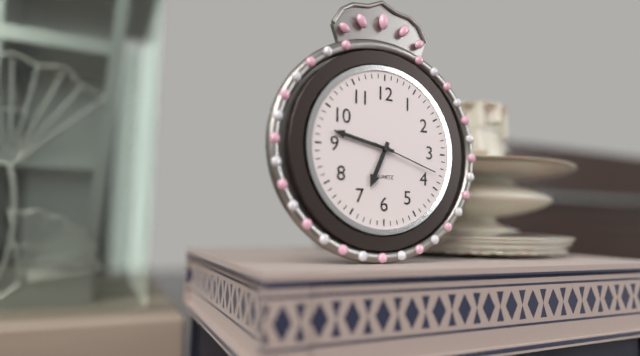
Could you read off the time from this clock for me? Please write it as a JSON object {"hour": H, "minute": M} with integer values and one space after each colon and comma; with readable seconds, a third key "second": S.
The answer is {"hour": 6, "minute": 47, "second": 18}
